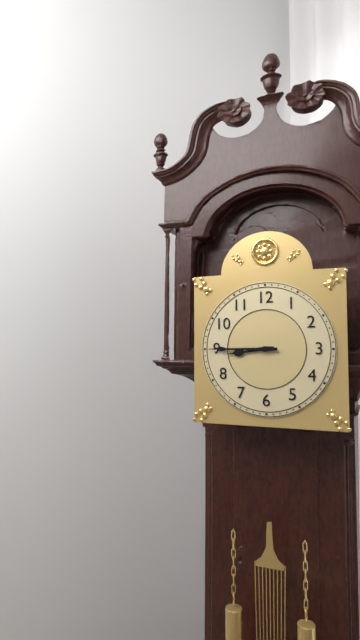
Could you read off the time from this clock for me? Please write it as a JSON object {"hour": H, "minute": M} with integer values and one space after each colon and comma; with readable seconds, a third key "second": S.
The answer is {"hour": 8, "minute": 45}
